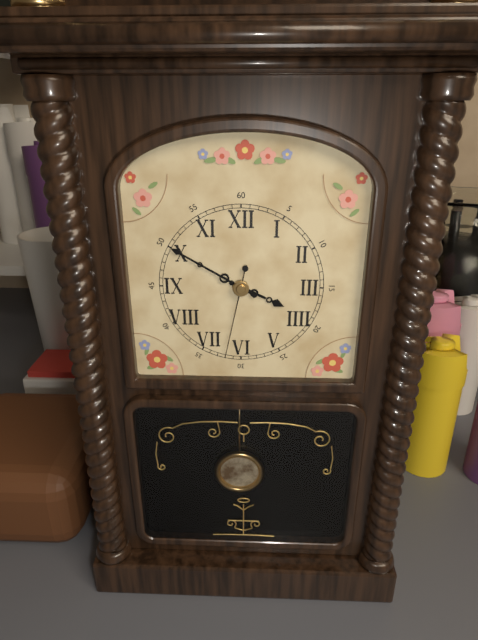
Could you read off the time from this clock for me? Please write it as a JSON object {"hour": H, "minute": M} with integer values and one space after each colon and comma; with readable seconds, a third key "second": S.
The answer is {"hour": 3, "minute": 50, "second": 32}
